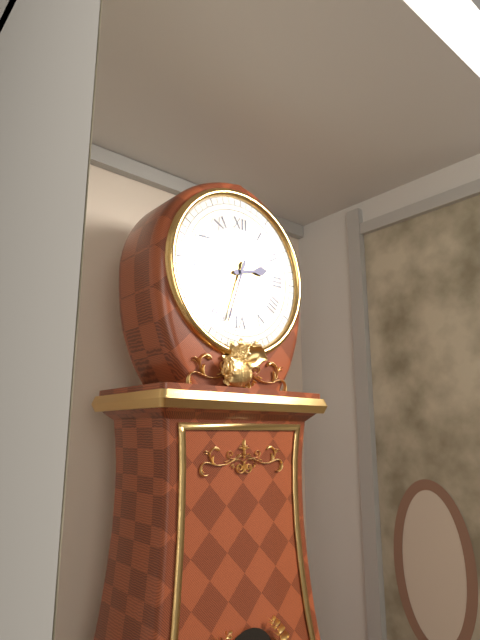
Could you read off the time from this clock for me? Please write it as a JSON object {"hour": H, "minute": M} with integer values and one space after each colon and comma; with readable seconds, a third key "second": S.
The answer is {"hour": 2, "minute": 33}
